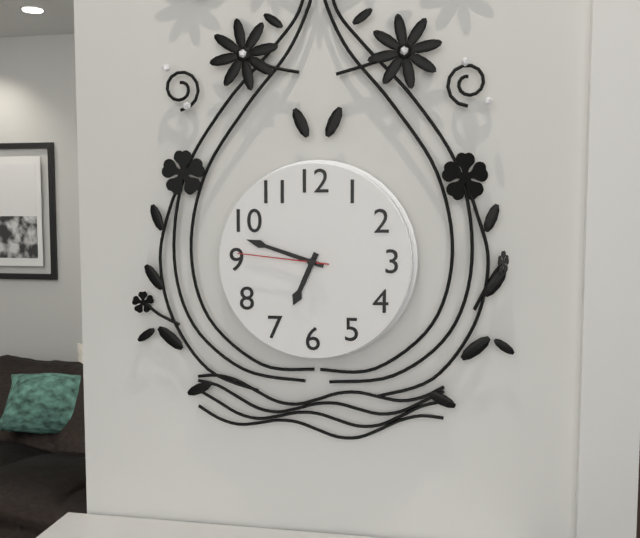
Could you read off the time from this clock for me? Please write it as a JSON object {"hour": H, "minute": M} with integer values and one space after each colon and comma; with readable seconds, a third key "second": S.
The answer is {"hour": 6, "minute": 48, "second": 46}
